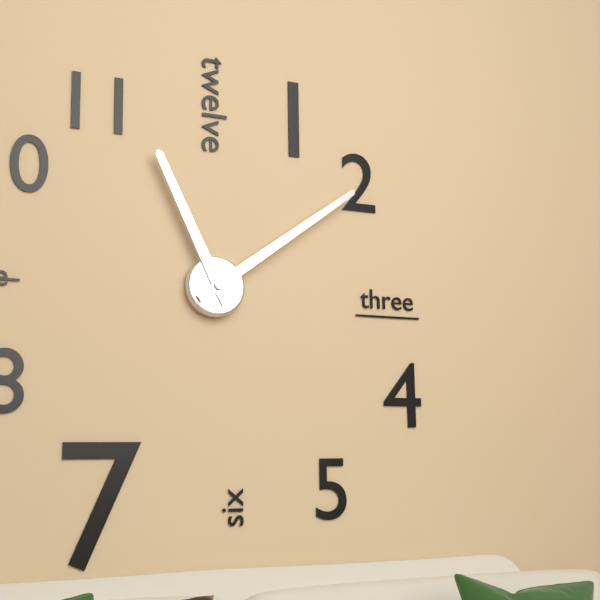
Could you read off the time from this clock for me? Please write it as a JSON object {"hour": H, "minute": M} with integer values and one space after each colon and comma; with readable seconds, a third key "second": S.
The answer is {"hour": 11, "minute": 9}
